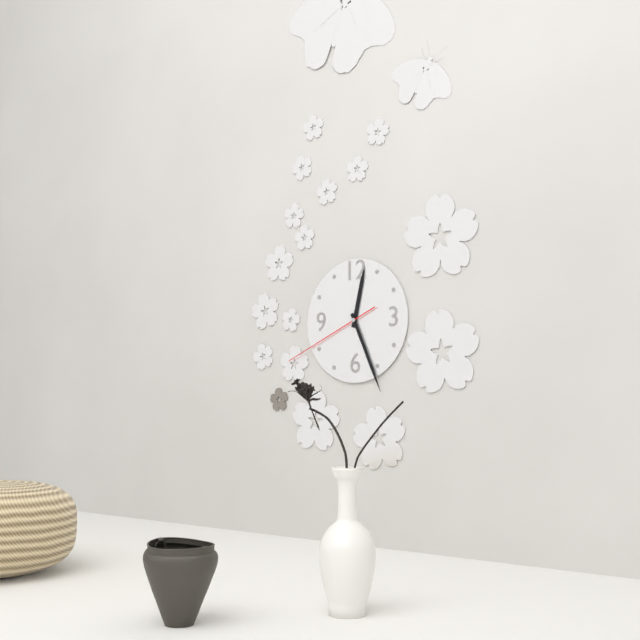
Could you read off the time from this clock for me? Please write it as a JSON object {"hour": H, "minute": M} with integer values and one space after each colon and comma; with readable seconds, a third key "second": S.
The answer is {"hour": 12, "minute": 26, "second": 41}
